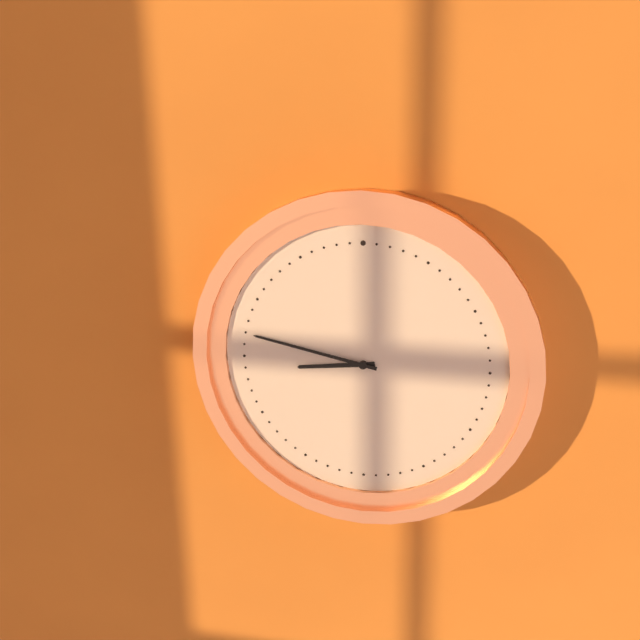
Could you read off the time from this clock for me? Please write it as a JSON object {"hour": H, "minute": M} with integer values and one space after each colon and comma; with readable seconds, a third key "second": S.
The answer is {"hour": 8, "minute": 47}
